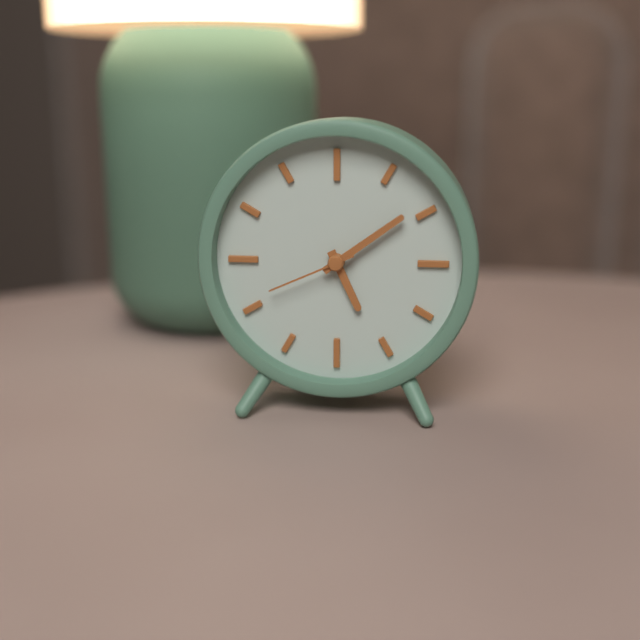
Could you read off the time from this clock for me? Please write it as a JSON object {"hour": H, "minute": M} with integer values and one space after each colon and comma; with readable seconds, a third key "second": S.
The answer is {"hour": 5, "minute": 9, "second": 41}
